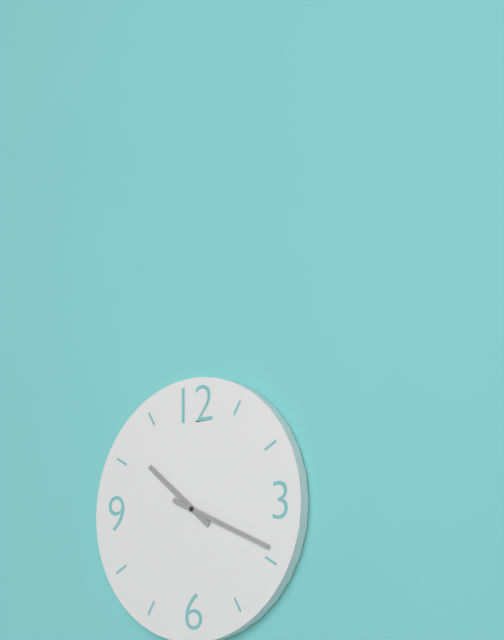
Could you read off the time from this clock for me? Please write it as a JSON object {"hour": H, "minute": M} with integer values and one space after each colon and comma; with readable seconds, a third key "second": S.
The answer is {"hour": 10, "minute": 19}
